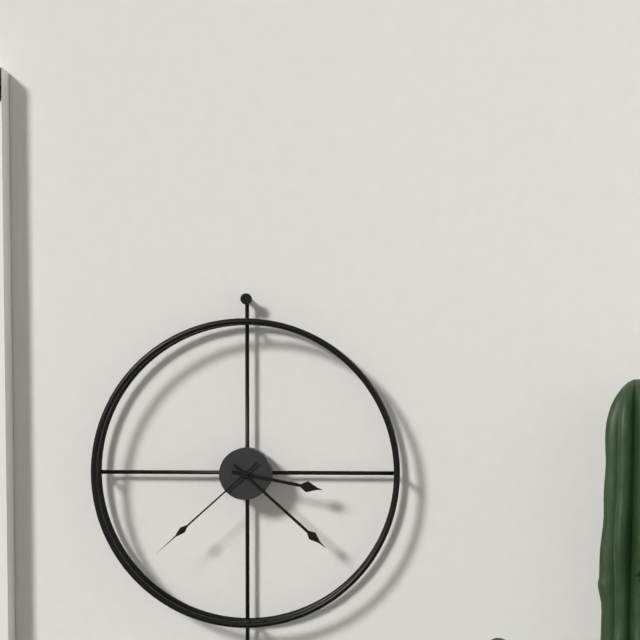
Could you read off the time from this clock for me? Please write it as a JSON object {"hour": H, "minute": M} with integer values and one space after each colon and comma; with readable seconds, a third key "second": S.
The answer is {"hour": 3, "minute": 22, "second": 38}
